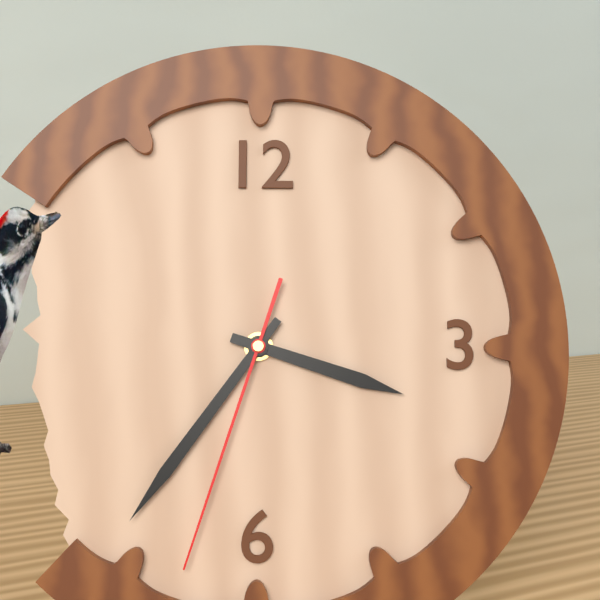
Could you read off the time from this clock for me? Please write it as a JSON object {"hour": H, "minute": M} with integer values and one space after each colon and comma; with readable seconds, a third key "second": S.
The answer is {"hour": 3, "minute": 36, "second": 33}
